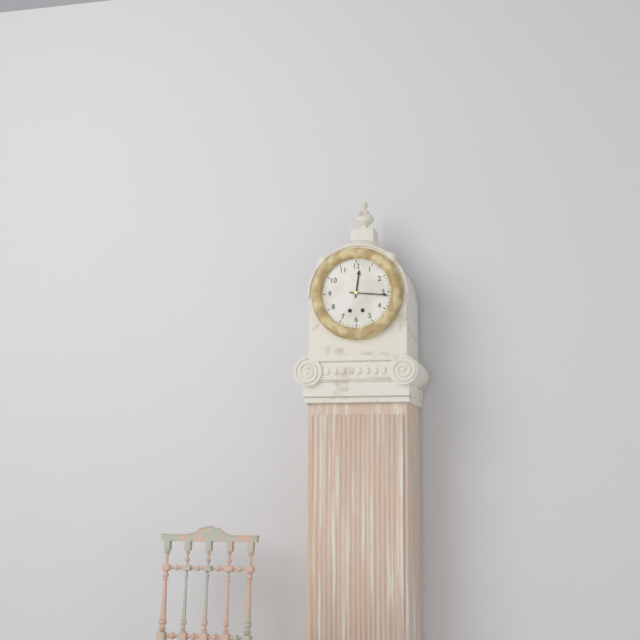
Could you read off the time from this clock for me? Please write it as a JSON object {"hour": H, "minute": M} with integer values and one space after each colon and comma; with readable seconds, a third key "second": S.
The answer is {"hour": 12, "minute": 16}
